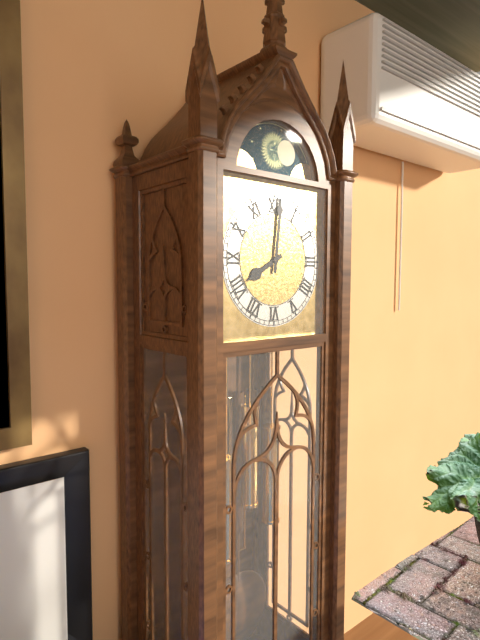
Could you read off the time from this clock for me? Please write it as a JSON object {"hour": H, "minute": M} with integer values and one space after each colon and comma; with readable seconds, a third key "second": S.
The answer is {"hour": 8, "minute": 1}
